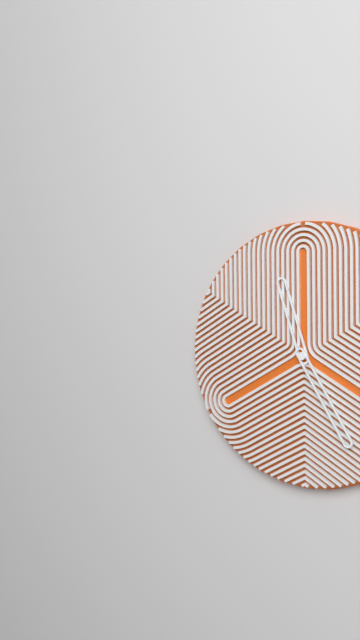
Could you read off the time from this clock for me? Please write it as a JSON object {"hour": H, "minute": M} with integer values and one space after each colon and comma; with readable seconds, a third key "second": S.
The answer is {"hour": 11, "minute": 25}
